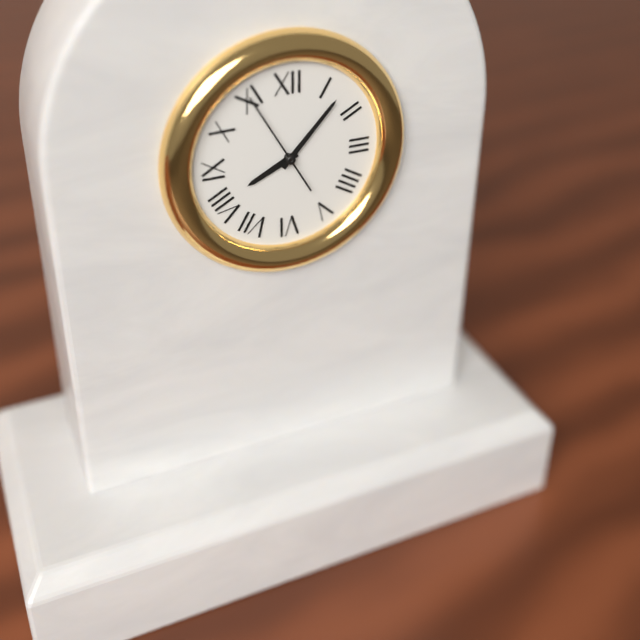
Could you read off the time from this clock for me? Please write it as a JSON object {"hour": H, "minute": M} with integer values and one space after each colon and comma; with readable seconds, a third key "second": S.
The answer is {"hour": 8, "minute": 7, "second": 55}
